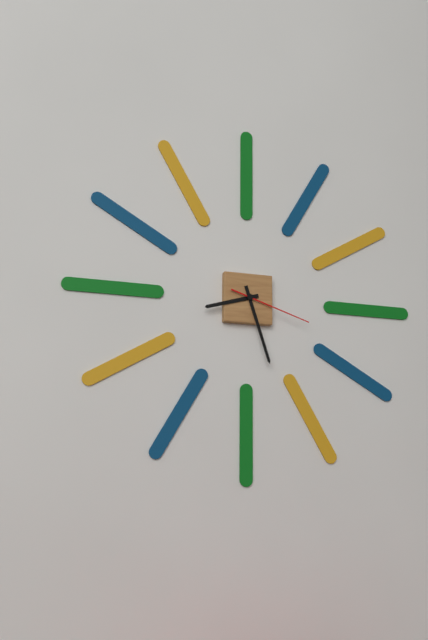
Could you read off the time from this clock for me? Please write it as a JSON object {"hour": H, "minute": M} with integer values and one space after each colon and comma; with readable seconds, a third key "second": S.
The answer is {"hour": 8, "minute": 27, "second": 18}
